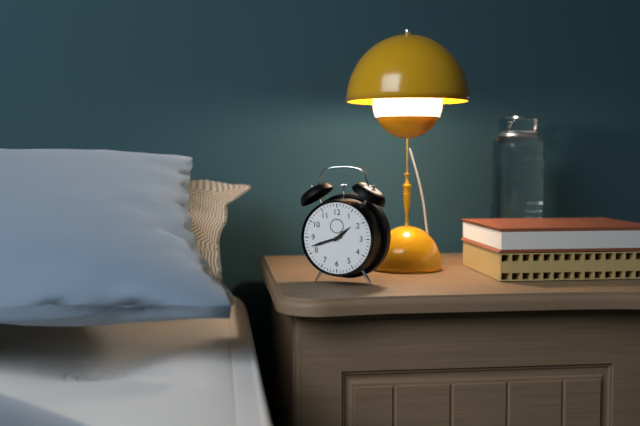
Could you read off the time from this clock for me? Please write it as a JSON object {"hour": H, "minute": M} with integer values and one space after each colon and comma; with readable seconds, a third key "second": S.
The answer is {"hour": 1, "minute": 42}
